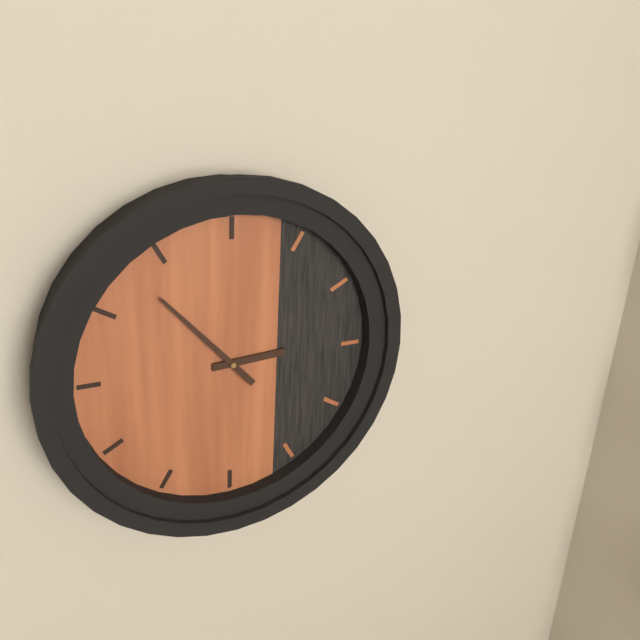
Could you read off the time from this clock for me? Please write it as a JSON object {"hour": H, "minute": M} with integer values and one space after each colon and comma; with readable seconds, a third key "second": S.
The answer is {"hour": 2, "minute": 53}
